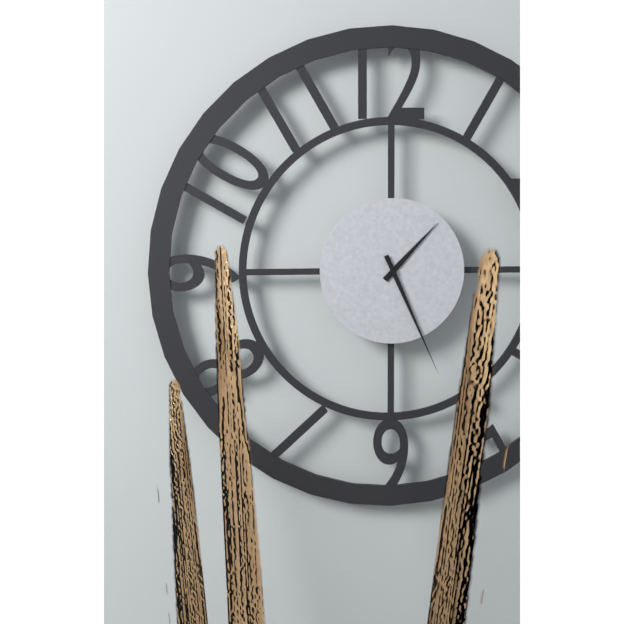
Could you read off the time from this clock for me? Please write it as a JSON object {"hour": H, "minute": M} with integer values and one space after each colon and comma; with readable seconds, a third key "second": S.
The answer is {"hour": 1, "minute": 26}
